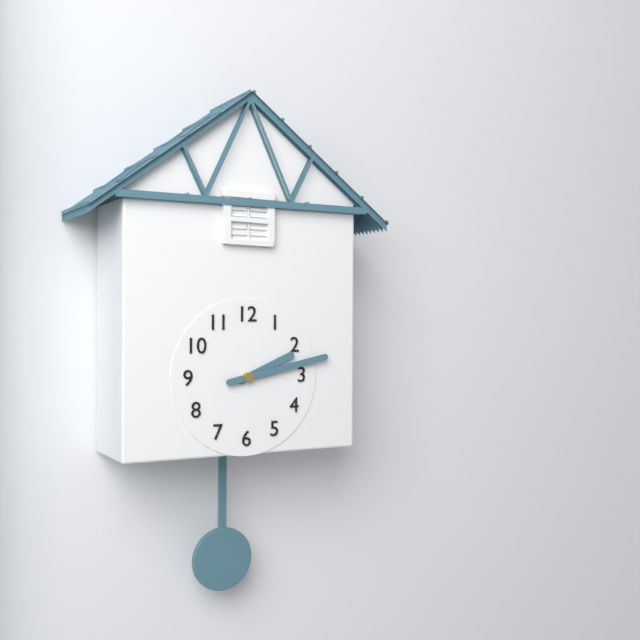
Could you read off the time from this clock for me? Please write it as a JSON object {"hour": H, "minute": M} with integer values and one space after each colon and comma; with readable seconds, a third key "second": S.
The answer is {"hour": 2, "minute": 13}
